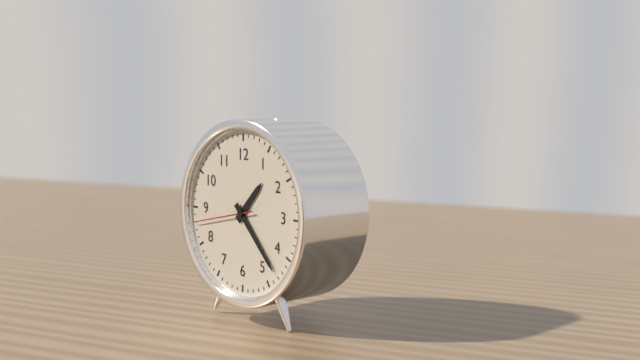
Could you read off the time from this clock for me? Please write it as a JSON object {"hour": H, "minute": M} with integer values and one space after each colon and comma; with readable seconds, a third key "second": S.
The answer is {"hour": 1, "minute": 23, "second": 43}
